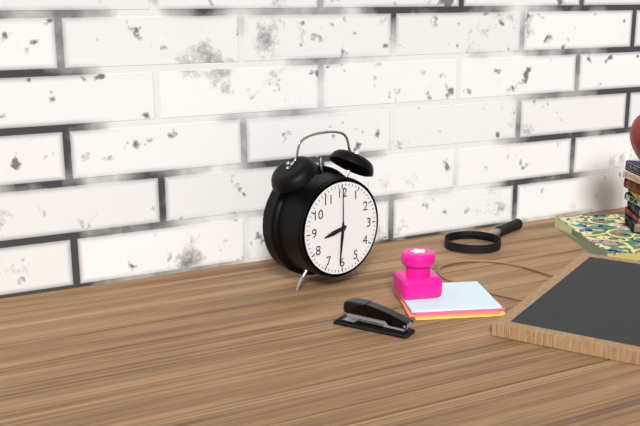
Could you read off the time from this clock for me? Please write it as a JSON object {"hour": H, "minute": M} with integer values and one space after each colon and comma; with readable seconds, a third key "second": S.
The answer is {"hour": 8, "minute": 31, "second": 0}
